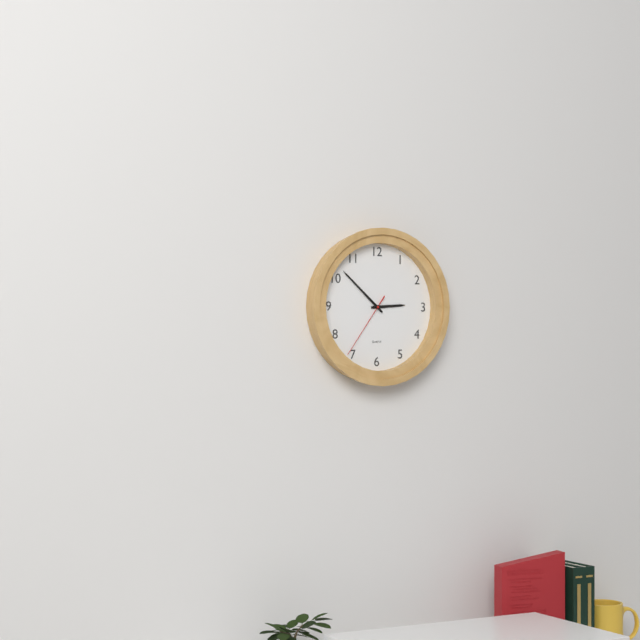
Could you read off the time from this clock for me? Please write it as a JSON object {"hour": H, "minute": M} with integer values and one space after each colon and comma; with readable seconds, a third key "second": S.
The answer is {"hour": 2, "minute": 52, "second": 36}
